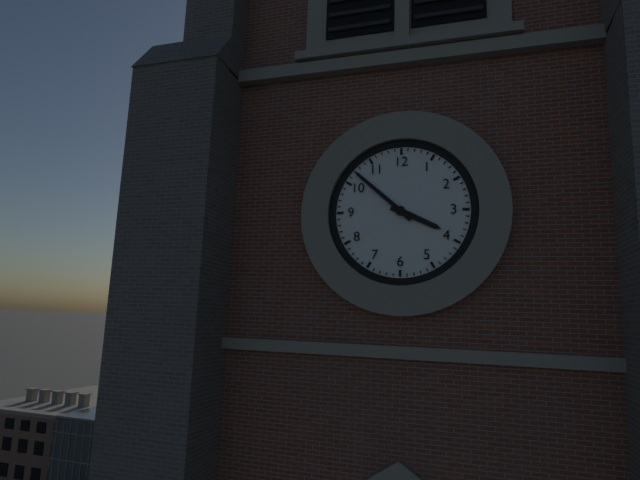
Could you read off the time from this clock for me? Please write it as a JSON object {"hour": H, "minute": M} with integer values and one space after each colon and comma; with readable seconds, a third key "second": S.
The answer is {"hour": 3, "minute": 52}
